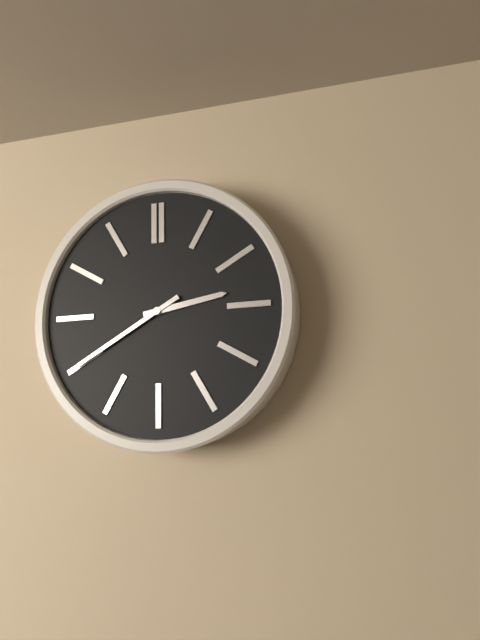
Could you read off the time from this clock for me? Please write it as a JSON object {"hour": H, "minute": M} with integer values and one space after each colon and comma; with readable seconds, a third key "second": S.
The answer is {"hour": 2, "minute": 40}
